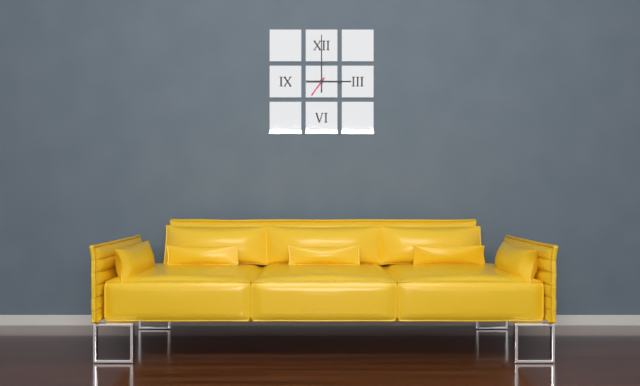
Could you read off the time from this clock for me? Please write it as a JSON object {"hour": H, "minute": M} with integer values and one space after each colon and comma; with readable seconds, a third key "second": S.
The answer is {"hour": 3, "minute": 0}
